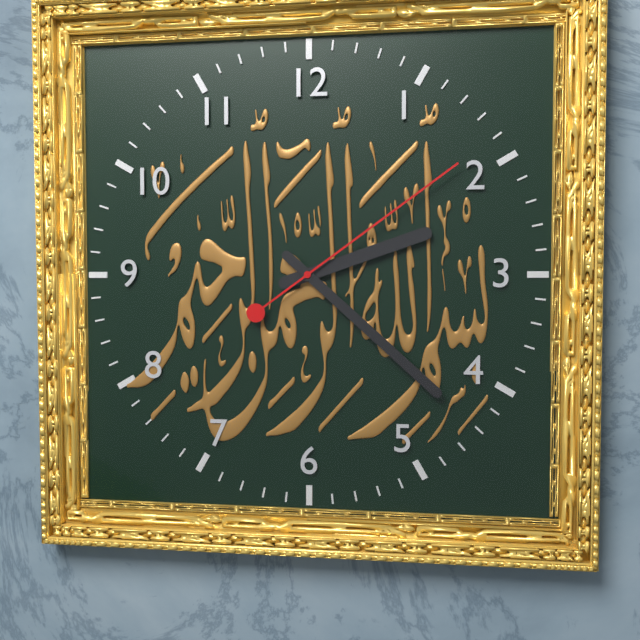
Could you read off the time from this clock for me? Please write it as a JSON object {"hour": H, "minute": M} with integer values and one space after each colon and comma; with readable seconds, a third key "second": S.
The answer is {"hour": 2, "minute": 22, "second": 9}
